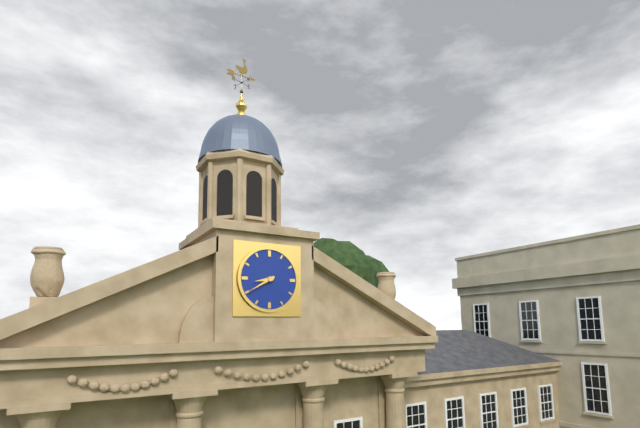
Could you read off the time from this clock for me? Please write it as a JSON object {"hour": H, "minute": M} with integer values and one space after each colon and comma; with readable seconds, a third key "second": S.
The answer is {"hour": 8, "minute": 40}
